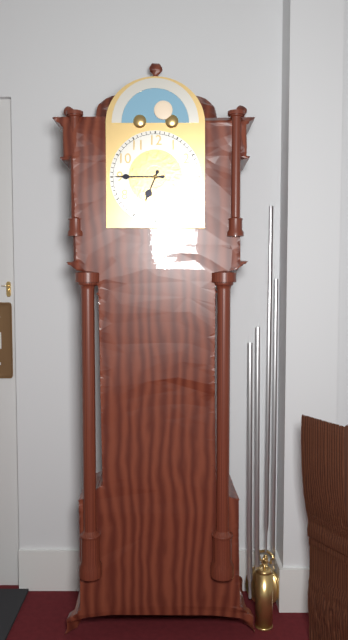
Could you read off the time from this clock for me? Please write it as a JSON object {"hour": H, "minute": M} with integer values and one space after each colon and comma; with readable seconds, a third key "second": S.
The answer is {"hour": 6, "minute": 45}
